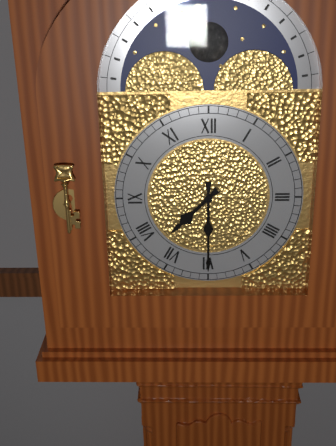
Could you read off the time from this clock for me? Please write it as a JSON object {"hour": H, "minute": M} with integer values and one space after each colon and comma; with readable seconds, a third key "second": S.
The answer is {"hour": 7, "minute": 30}
